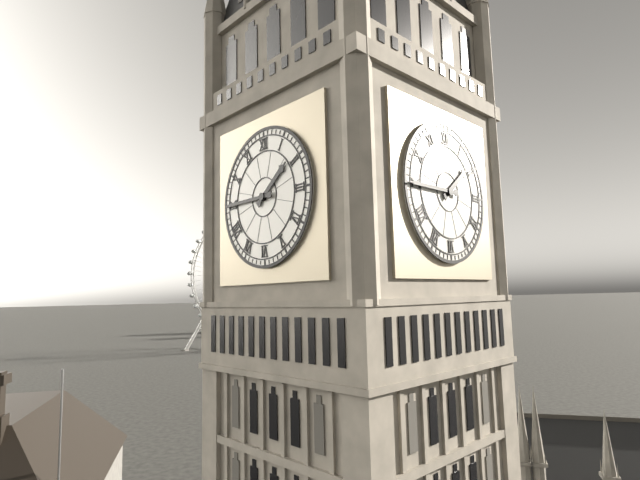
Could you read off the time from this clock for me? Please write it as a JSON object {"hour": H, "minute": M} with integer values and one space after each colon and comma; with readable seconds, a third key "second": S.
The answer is {"hour": 1, "minute": 45}
